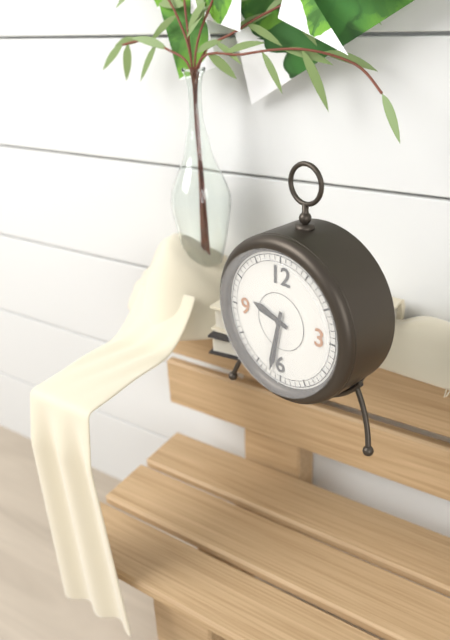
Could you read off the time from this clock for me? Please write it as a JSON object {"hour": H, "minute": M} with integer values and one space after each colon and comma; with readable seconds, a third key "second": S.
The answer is {"hour": 9, "minute": 32}
